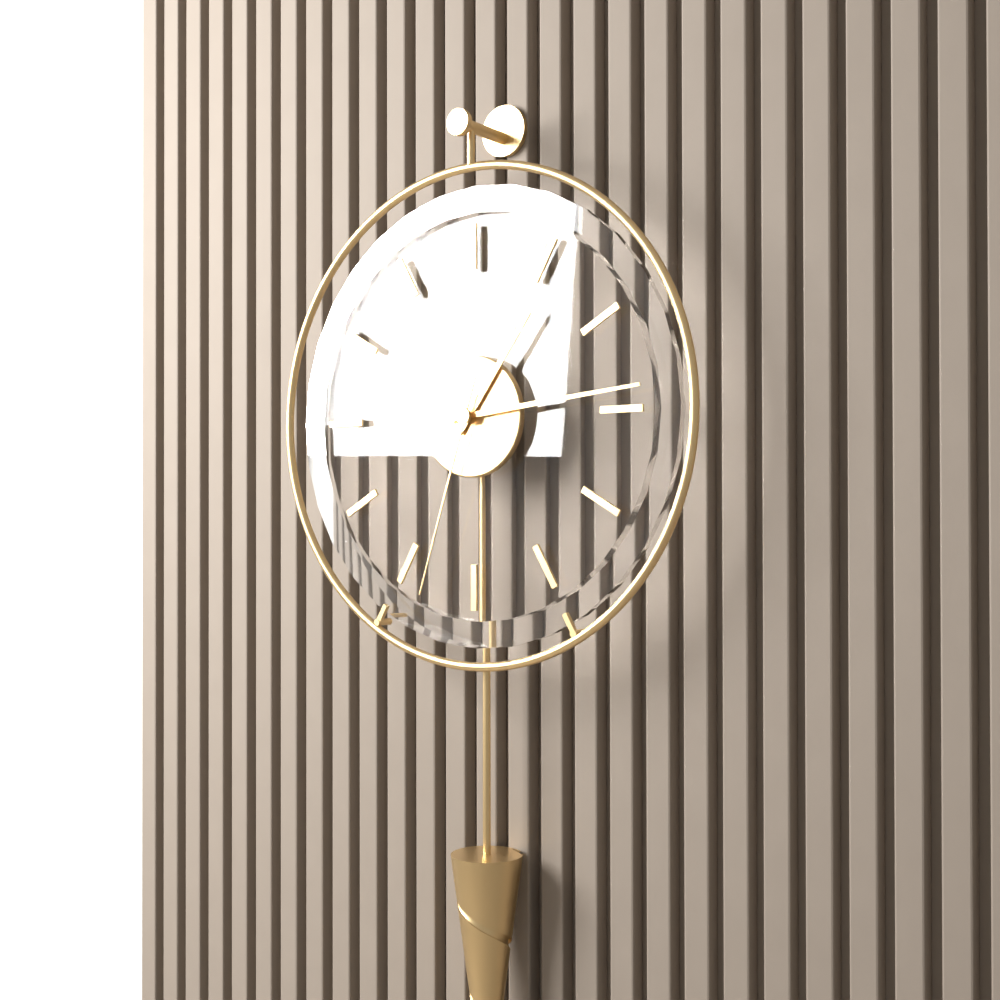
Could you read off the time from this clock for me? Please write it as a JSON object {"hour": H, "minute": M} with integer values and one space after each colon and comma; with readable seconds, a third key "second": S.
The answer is {"hour": 1, "minute": 14, "second": 33}
